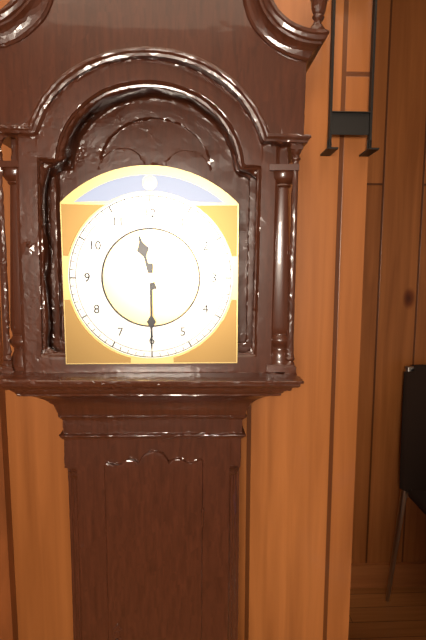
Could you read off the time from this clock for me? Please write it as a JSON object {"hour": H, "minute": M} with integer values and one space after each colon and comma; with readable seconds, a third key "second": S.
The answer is {"hour": 11, "minute": 30}
